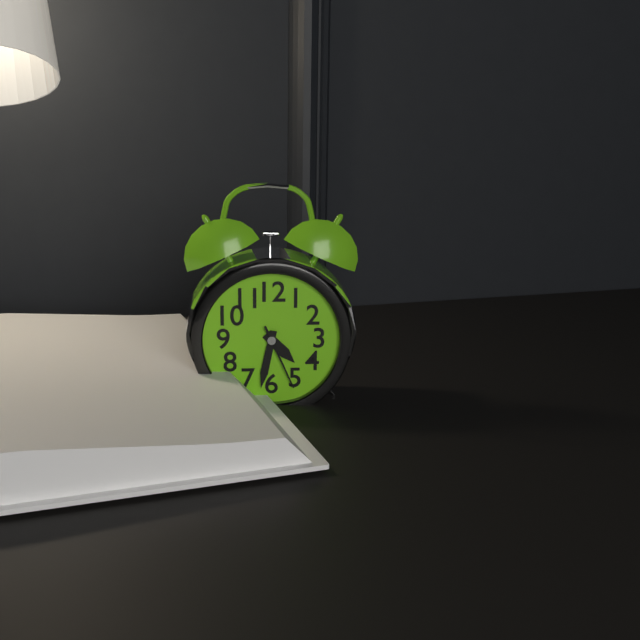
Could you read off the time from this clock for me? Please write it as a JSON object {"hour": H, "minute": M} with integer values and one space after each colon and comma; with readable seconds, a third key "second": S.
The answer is {"hour": 4, "minute": 32, "second": 26}
